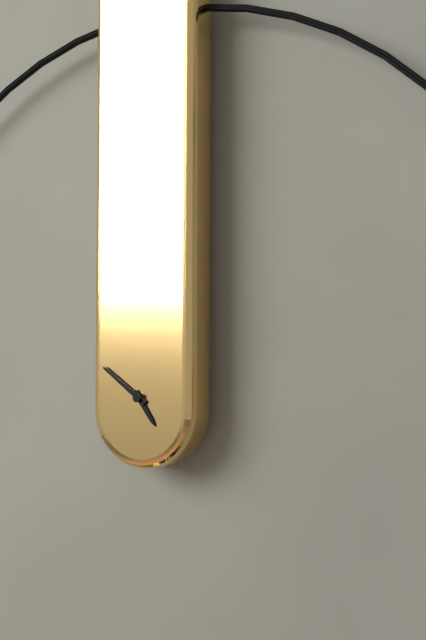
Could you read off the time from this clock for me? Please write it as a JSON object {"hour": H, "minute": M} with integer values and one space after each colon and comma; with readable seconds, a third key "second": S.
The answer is {"hour": 4, "minute": 51}
